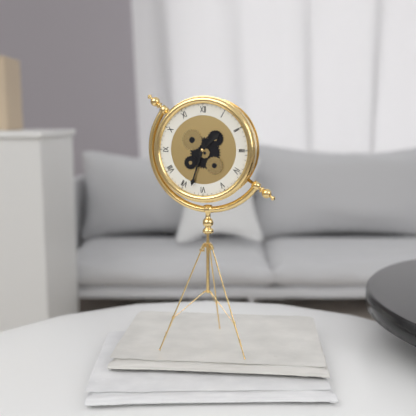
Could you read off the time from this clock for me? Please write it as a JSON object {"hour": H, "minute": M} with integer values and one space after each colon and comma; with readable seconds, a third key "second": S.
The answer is {"hour": 1, "minute": 33}
